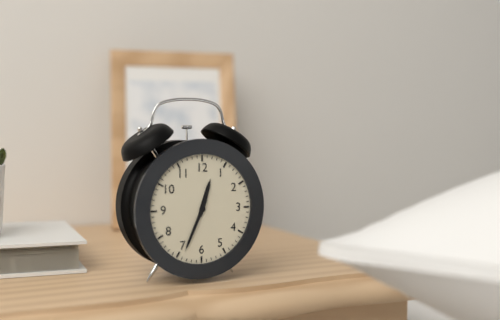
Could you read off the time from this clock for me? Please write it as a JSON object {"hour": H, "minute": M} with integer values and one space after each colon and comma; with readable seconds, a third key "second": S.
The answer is {"hour": 12, "minute": 34}
